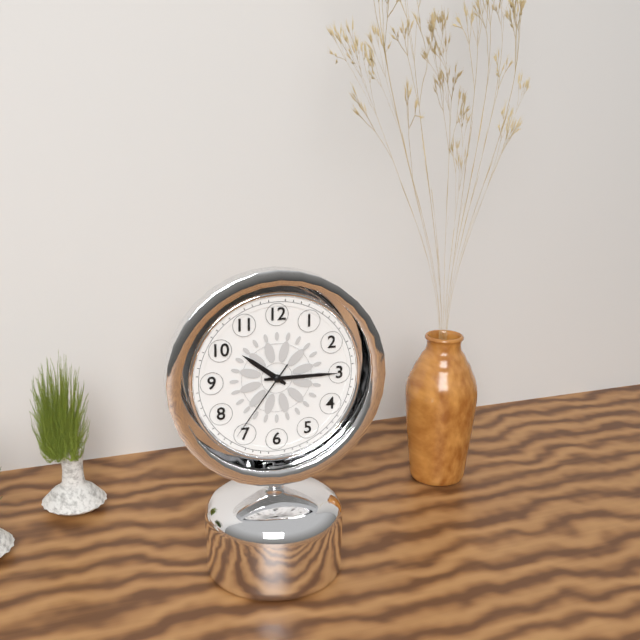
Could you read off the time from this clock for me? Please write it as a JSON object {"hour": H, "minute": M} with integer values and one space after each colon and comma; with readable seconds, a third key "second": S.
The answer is {"hour": 10, "minute": 15, "second": 36}
